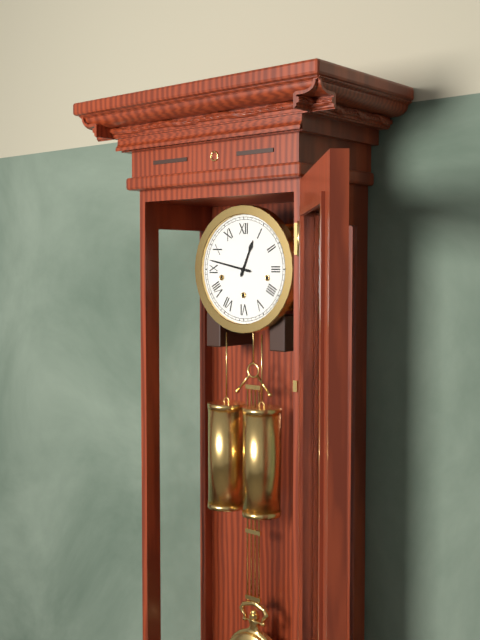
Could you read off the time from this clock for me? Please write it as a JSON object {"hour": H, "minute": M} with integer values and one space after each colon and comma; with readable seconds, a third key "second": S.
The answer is {"hour": 12, "minute": 47}
